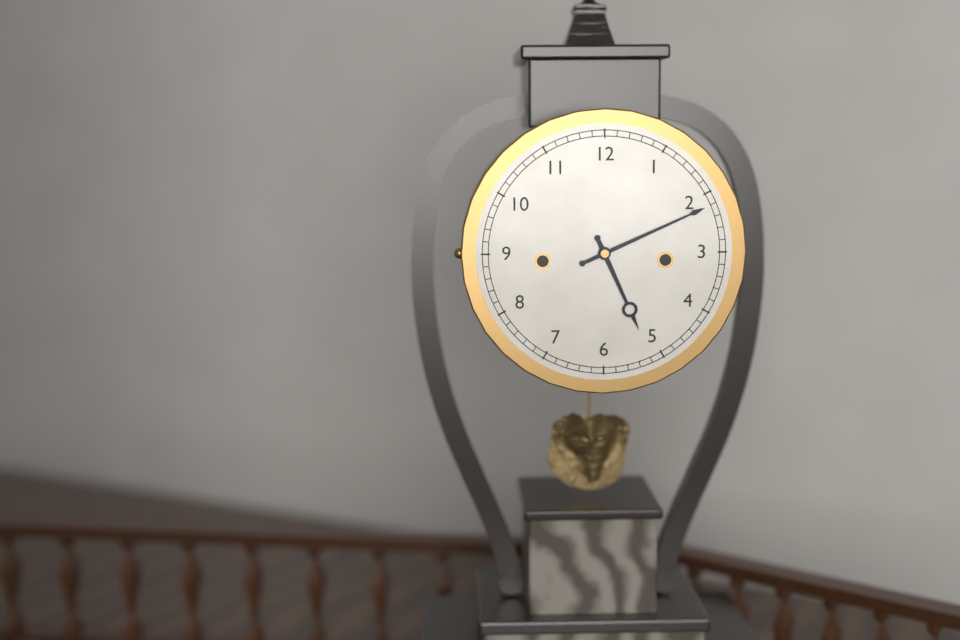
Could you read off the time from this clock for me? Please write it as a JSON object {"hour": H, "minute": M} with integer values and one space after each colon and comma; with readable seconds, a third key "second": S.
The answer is {"hour": 5, "minute": 11}
